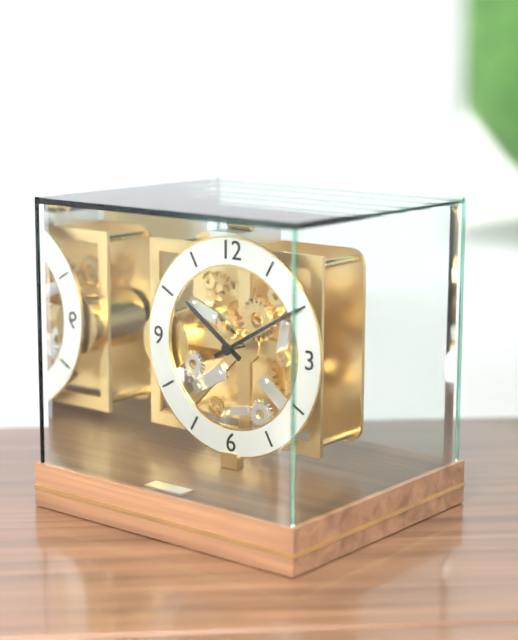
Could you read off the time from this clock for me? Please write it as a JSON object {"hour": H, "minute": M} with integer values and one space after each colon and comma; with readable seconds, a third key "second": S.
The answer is {"hour": 10, "minute": 10}
